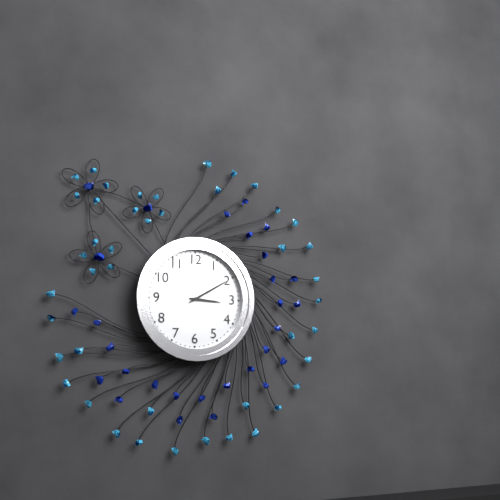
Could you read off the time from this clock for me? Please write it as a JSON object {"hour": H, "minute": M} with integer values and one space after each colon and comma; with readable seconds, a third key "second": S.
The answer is {"hour": 3, "minute": 10}
